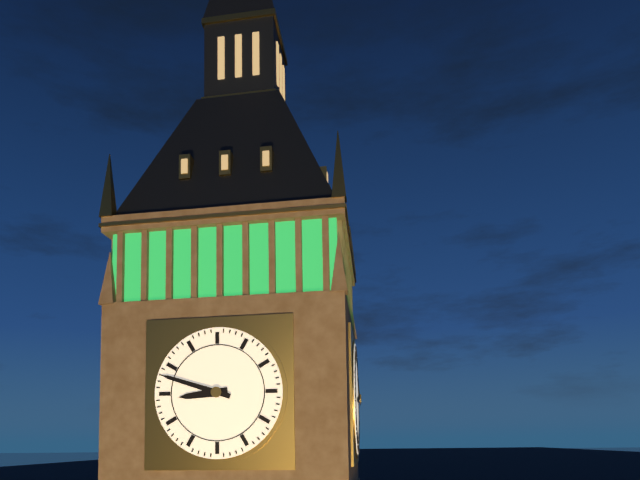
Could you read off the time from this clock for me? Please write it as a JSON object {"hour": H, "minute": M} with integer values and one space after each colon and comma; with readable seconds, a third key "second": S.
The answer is {"hour": 8, "minute": 48}
